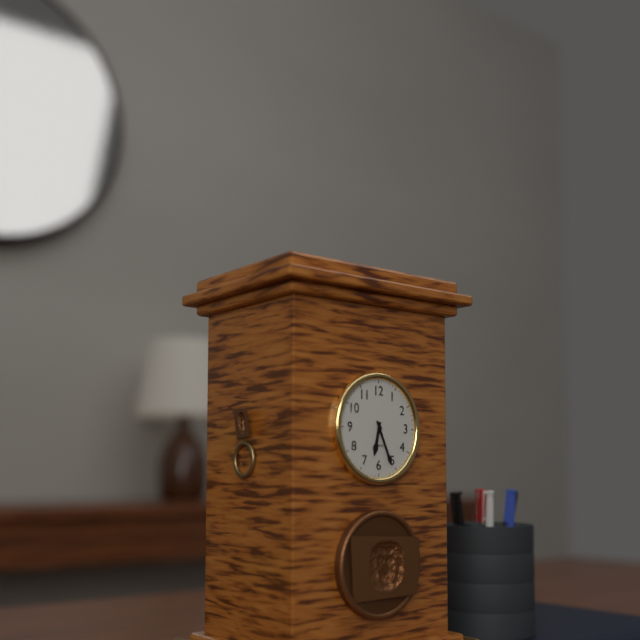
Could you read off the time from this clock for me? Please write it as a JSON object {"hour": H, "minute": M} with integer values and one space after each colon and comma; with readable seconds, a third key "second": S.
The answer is {"hour": 6, "minute": 26}
